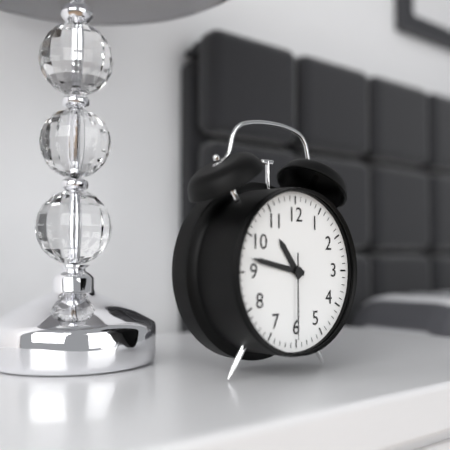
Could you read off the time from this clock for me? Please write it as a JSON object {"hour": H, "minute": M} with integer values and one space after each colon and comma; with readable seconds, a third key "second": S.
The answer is {"hour": 10, "minute": 47, "second": 30}
